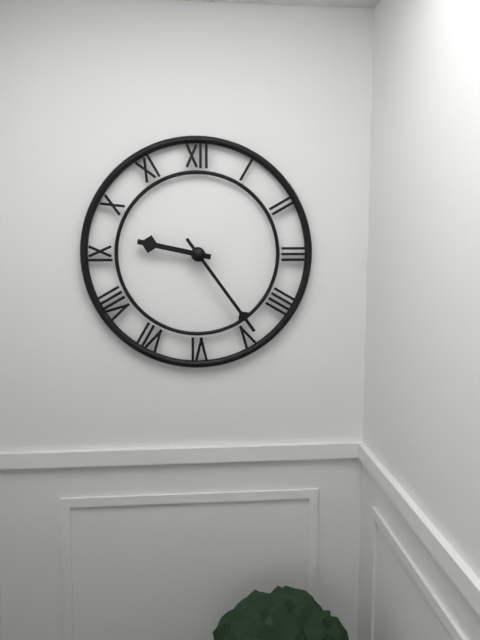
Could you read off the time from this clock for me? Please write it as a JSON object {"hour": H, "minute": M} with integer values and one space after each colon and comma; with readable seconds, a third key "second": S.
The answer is {"hour": 9, "minute": 24}
